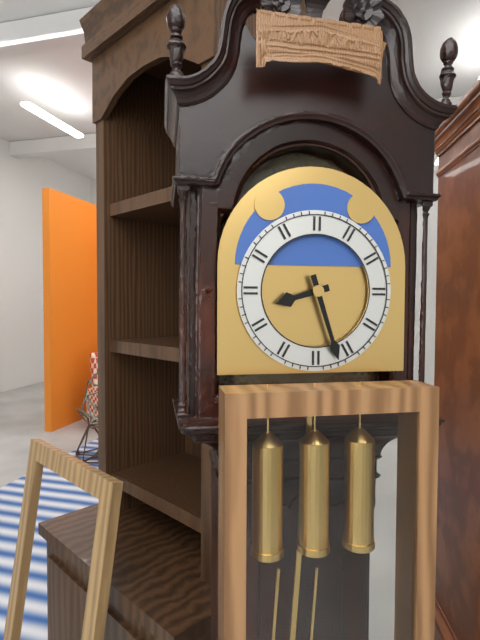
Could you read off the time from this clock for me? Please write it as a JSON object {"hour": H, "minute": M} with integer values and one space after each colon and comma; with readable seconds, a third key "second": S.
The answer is {"hour": 8, "minute": 27}
